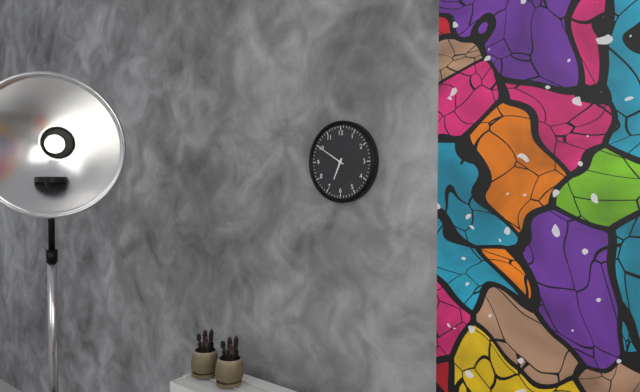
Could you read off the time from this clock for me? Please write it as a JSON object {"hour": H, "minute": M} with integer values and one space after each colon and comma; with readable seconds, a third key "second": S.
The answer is {"hour": 6, "minute": 50}
